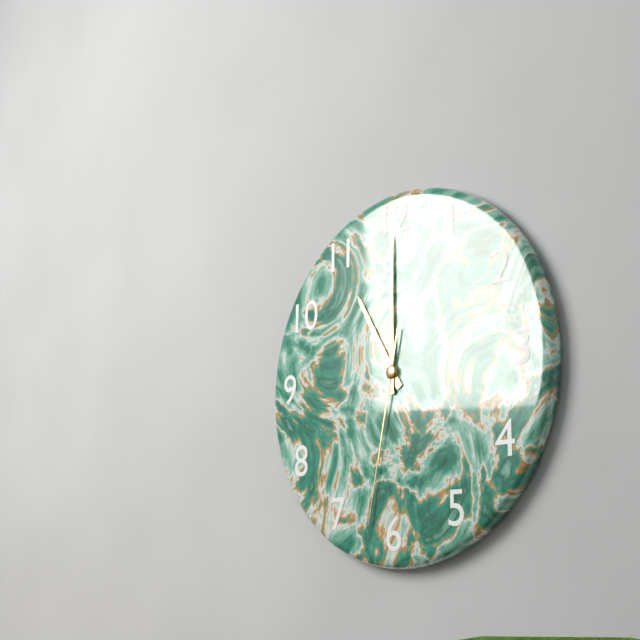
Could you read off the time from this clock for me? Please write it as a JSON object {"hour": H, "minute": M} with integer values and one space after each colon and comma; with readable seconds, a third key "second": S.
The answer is {"hour": 11, "minute": 0, "second": 32}
